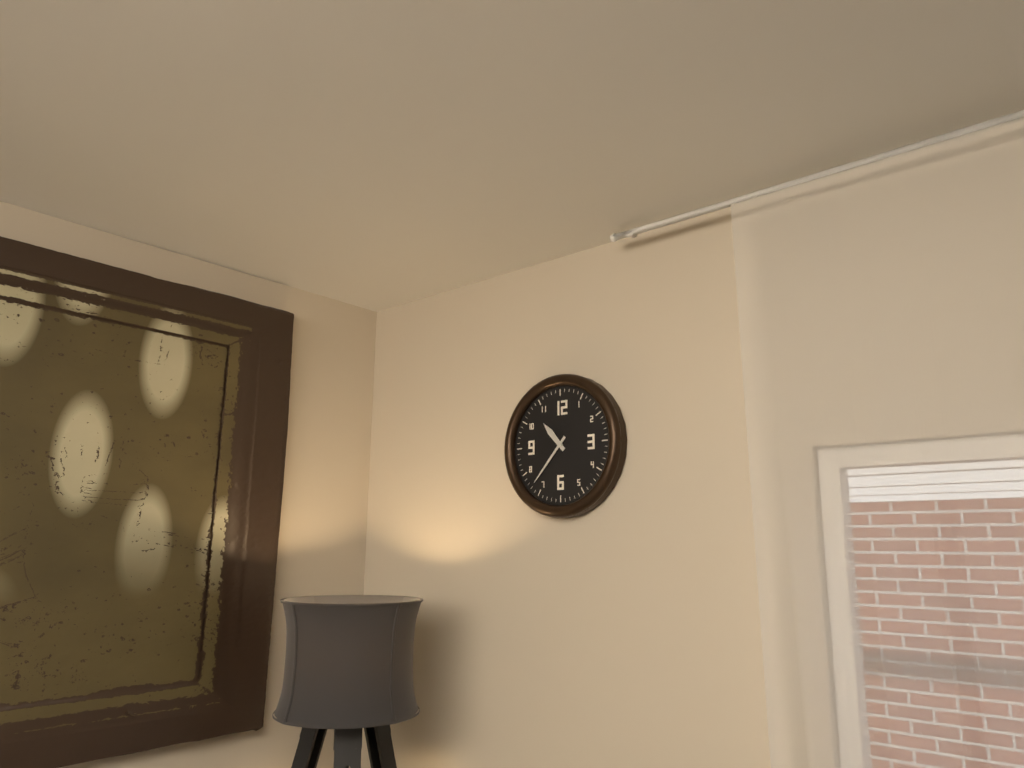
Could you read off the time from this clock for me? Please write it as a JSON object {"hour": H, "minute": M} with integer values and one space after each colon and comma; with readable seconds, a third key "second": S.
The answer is {"hour": 10, "minute": 37}
